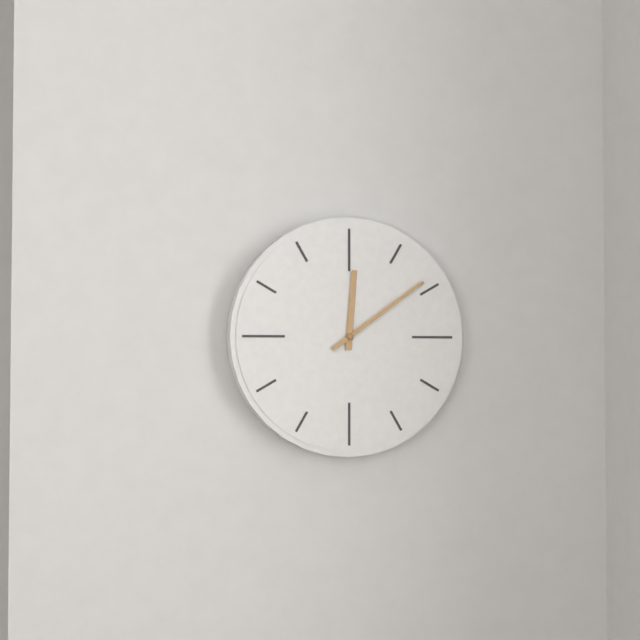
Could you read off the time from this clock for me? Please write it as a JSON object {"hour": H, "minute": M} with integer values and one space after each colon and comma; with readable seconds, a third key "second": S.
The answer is {"hour": 12, "minute": 9}
